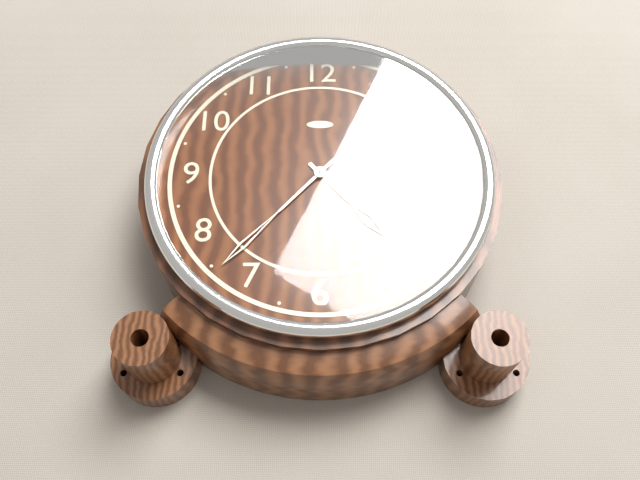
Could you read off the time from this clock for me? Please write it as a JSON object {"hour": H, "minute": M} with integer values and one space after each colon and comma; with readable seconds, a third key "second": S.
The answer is {"hour": 4, "minute": 37}
